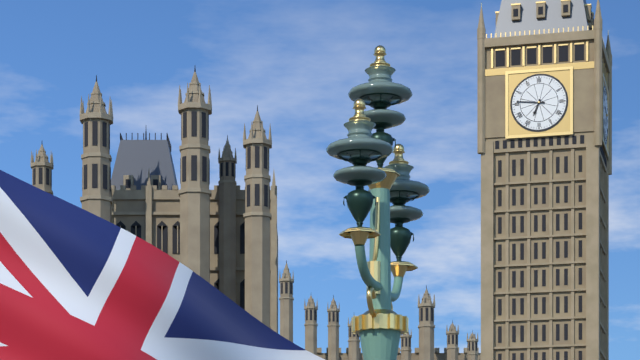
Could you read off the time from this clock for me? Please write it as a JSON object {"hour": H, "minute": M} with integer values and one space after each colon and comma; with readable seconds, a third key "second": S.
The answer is {"hour": 6, "minute": 46}
